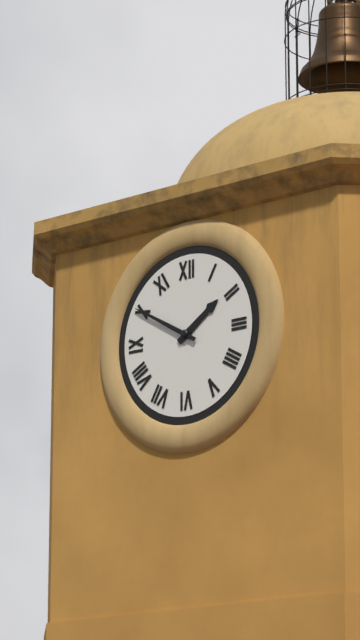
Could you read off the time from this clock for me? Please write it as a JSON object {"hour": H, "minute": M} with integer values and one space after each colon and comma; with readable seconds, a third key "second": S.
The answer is {"hour": 1, "minute": 50}
